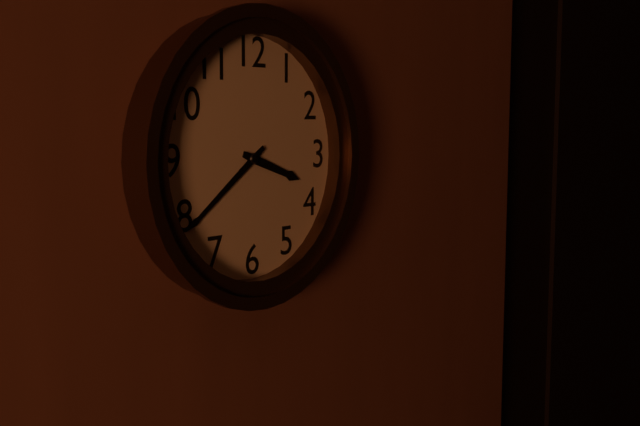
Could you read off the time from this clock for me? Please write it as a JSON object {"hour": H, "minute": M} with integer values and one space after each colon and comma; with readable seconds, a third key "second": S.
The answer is {"hour": 3, "minute": 39}
